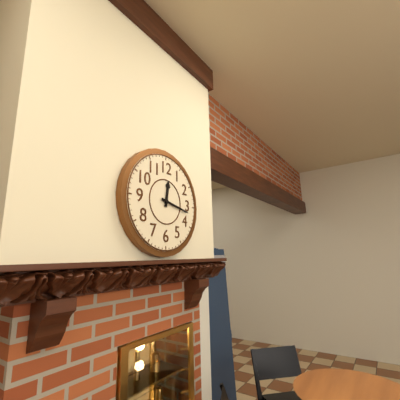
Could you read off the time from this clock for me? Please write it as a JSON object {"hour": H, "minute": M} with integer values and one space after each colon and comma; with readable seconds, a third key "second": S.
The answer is {"hour": 12, "minute": 17}
